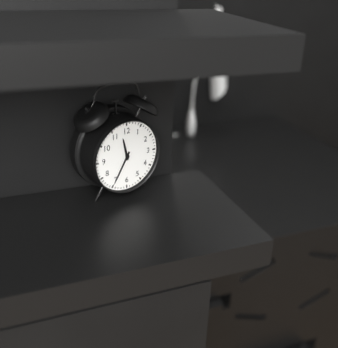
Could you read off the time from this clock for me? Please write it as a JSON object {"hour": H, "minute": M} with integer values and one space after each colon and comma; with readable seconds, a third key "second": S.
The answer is {"hour": 11, "minute": 35}
